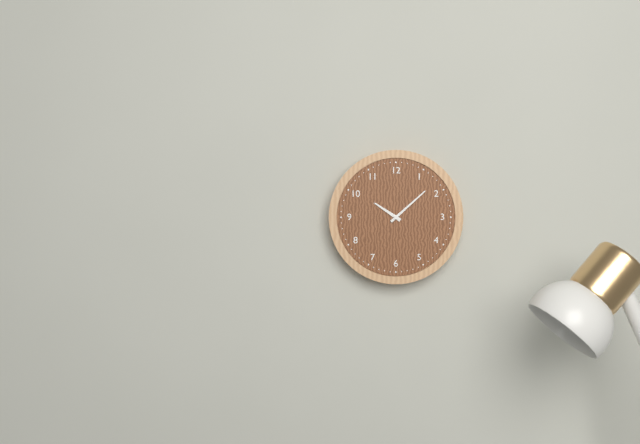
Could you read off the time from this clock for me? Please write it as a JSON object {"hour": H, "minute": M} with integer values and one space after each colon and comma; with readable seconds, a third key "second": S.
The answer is {"hour": 10, "minute": 8}
